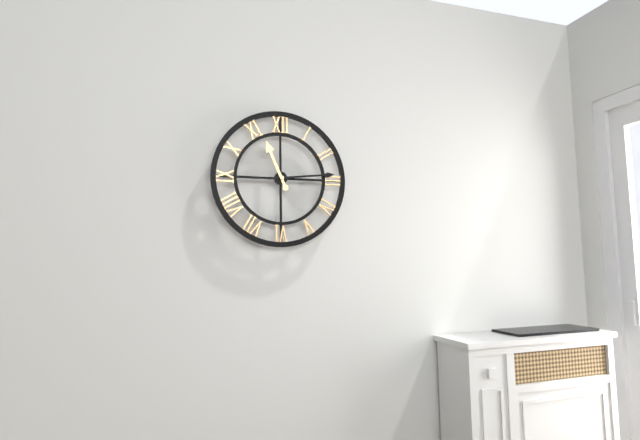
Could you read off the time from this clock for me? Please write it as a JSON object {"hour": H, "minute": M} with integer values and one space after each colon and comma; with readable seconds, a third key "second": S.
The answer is {"hour": 11, "minute": 14}
